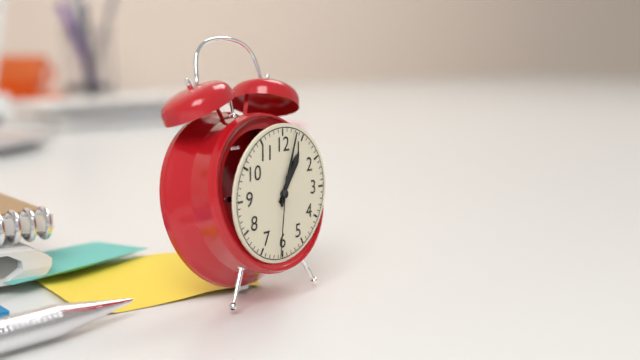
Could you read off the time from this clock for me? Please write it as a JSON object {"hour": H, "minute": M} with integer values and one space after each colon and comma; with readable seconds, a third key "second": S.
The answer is {"hour": 1, "minute": 3, "second": 31}
